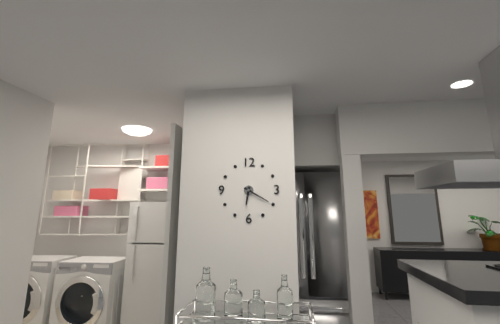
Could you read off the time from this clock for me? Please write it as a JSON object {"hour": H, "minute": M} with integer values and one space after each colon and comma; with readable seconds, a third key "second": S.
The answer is {"hour": 6, "minute": 20}
